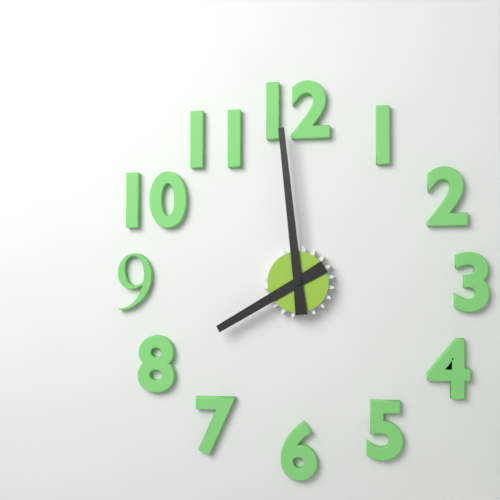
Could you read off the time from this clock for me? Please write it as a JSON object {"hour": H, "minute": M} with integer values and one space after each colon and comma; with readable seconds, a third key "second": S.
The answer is {"hour": 7, "minute": 59}
